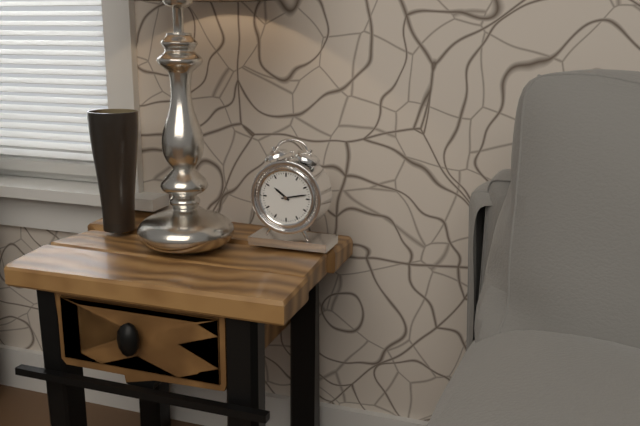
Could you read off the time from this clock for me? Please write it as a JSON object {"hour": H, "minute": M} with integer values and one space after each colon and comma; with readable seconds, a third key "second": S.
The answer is {"hour": 10, "minute": 13}
